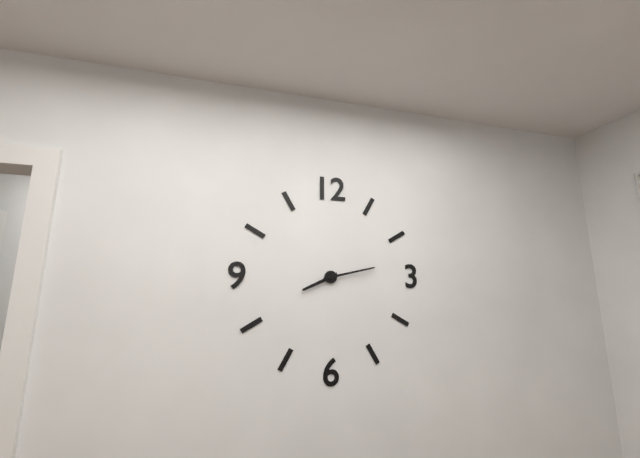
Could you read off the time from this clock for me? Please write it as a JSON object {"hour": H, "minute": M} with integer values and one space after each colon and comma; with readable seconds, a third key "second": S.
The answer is {"hour": 8, "minute": 13}
